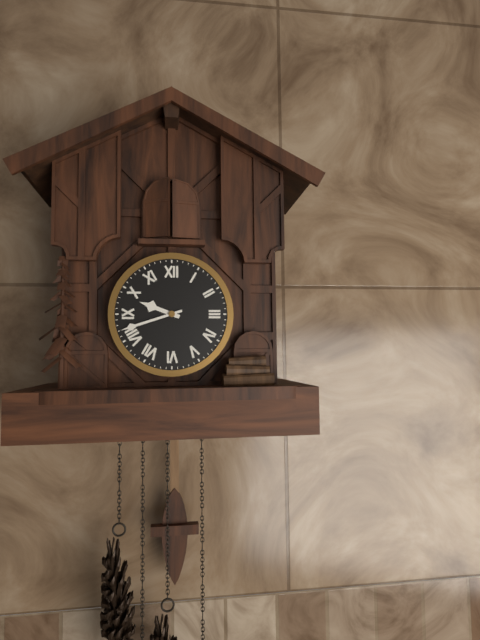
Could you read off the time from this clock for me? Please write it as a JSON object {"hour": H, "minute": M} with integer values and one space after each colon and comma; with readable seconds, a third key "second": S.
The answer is {"hour": 9, "minute": 42}
